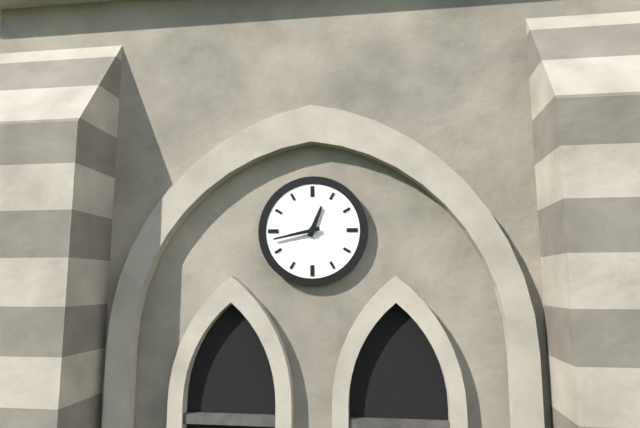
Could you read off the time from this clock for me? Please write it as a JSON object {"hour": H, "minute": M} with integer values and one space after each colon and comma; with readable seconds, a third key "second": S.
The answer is {"hour": 12, "minute": 43}
